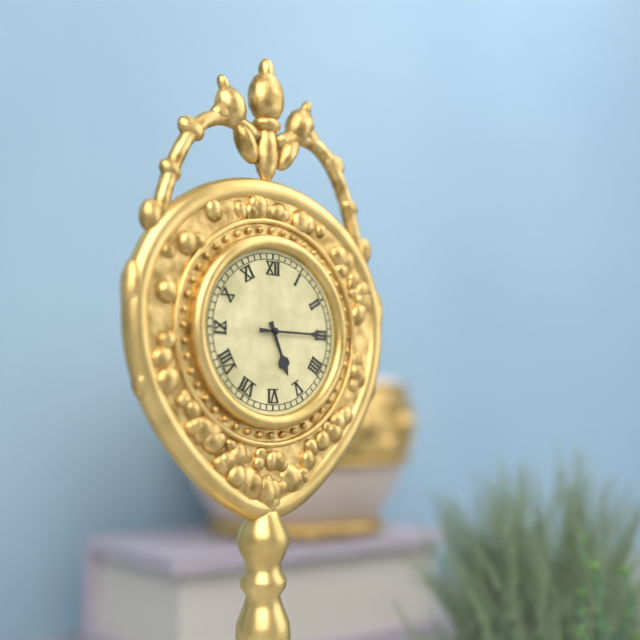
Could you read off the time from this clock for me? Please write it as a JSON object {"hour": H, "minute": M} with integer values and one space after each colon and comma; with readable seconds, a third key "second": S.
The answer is {"hour": 5, "minute": 15}
